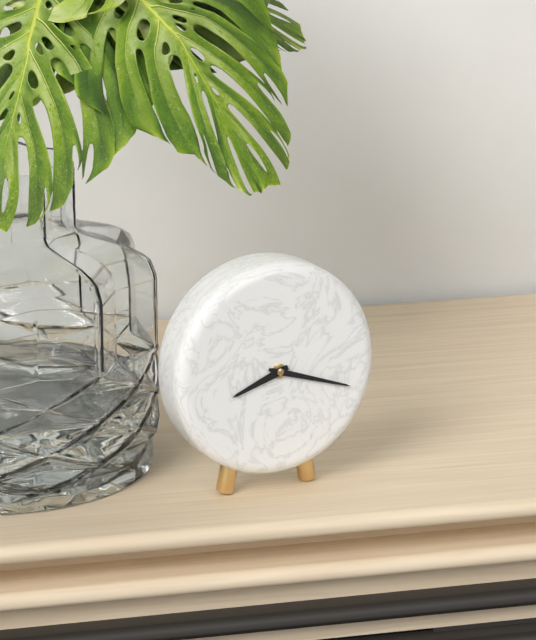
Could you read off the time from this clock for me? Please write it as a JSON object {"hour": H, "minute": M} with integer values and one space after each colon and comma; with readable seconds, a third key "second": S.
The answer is {"hour": 8, "minute": 18}
